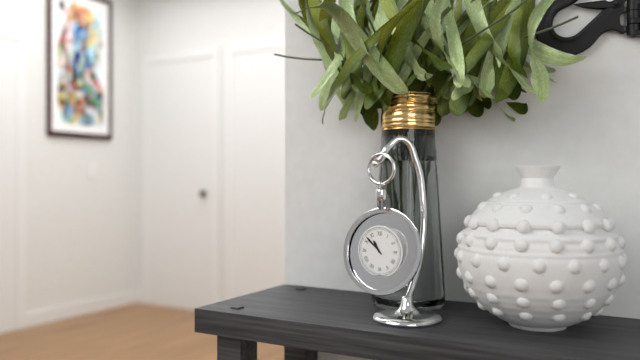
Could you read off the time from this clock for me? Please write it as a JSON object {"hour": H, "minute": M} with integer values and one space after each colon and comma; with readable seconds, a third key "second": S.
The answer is {"hour": 10, "minute": 52}
